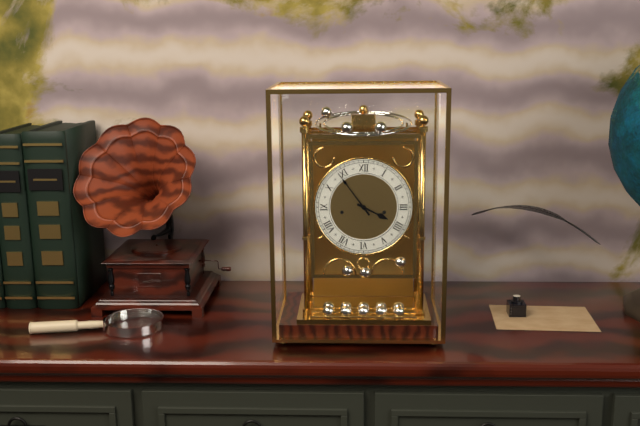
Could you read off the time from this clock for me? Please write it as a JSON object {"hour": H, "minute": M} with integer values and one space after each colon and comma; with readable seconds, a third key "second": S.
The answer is {"hour": 3, "minute": 54}
